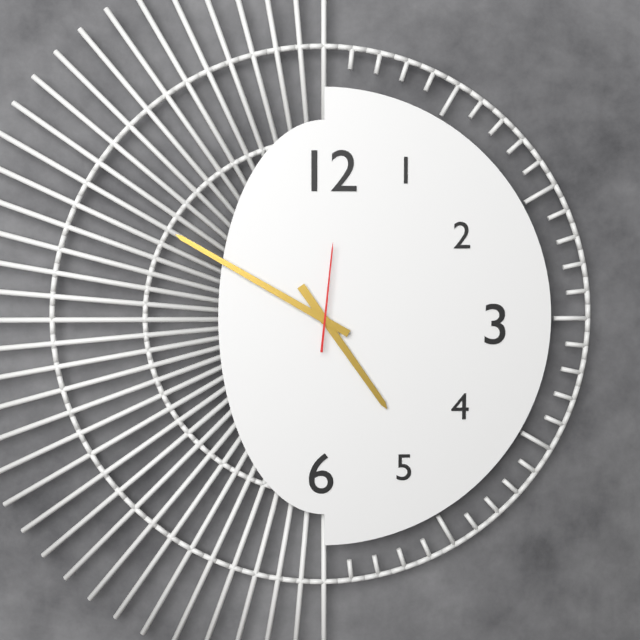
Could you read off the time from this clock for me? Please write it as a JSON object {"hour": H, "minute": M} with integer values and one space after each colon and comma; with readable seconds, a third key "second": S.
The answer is {"hour": 4, "minute": 50, "second": 1}
